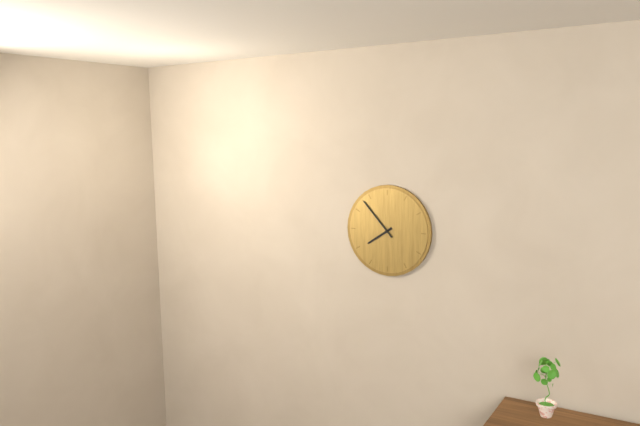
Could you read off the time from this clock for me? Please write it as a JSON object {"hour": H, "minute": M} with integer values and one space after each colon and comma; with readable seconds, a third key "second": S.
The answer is {"hour": 7, "minute": 53}
